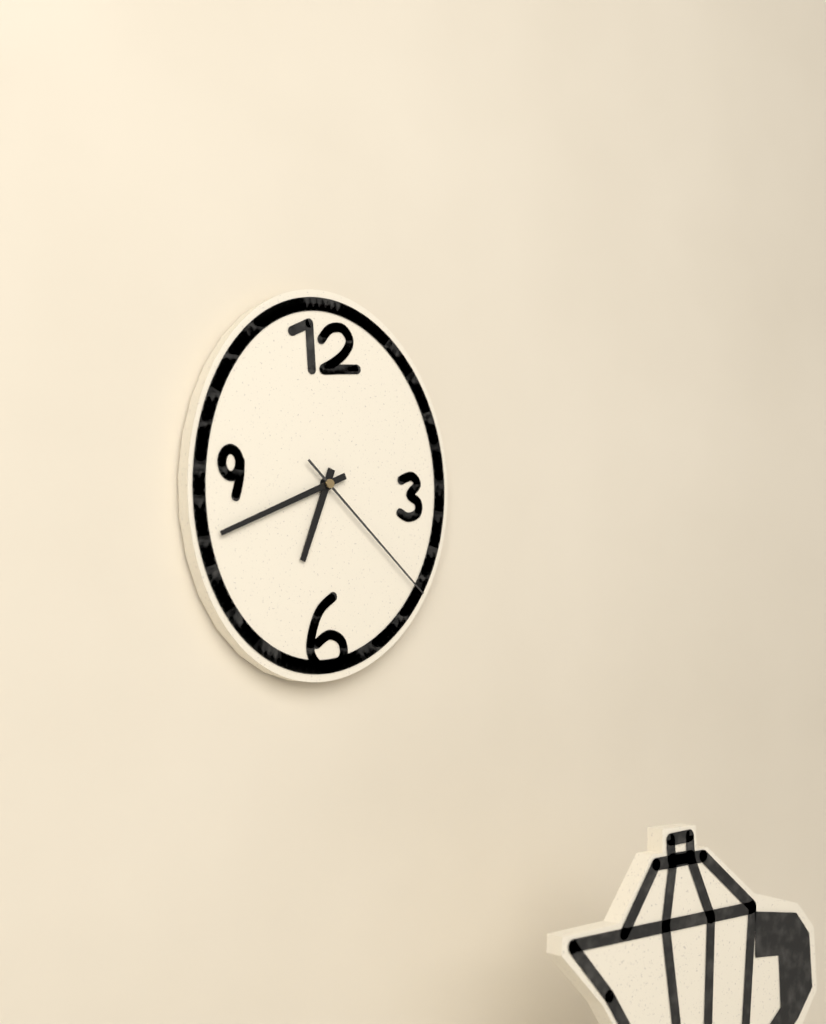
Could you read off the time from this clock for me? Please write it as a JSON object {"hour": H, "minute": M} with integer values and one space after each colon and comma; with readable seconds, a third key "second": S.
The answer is {"hour": 6, "minute": 41, "second": 22}
